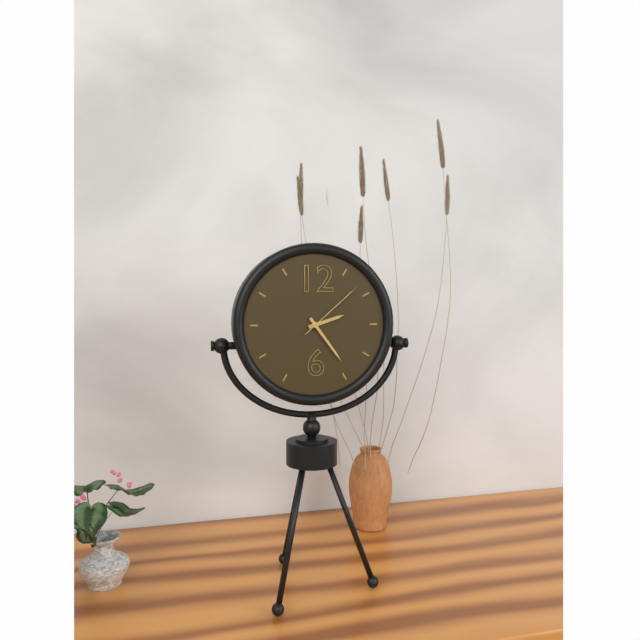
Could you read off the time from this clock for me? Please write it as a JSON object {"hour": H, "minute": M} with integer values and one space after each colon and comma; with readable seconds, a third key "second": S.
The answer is {"hour": 2, "minute": 24, "second": 8}
